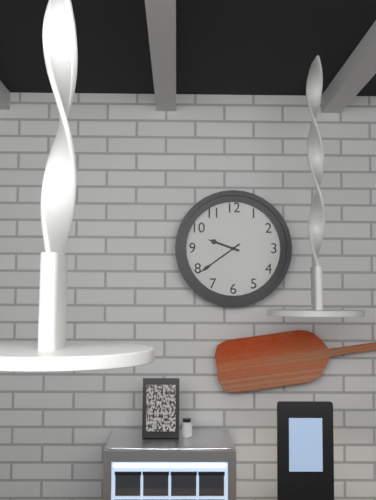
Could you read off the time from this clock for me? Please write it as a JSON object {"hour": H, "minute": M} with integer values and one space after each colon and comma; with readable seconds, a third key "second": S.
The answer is {"hour": 9, "minute": 39}
